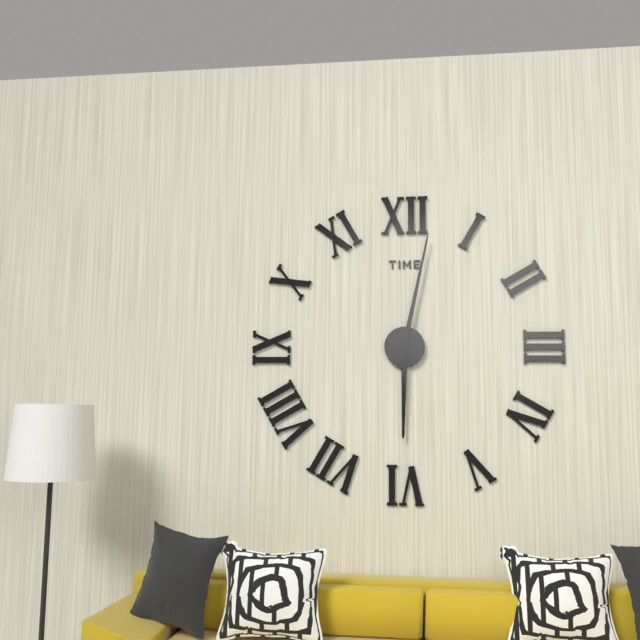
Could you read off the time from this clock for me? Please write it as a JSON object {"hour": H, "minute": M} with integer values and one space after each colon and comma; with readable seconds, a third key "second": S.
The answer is {"hour": 6, "minute": 2}
